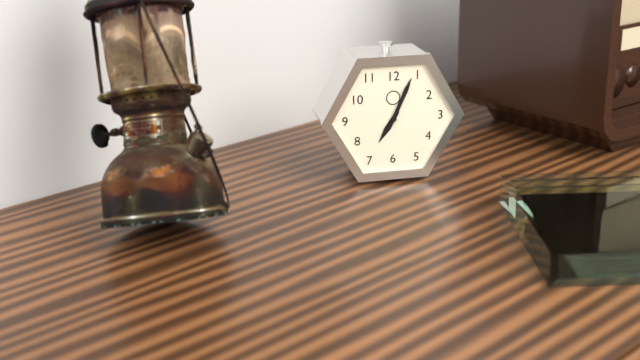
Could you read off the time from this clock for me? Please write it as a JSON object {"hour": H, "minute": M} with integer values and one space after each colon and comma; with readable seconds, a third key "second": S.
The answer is {"hour": 7, "minute": 4}
